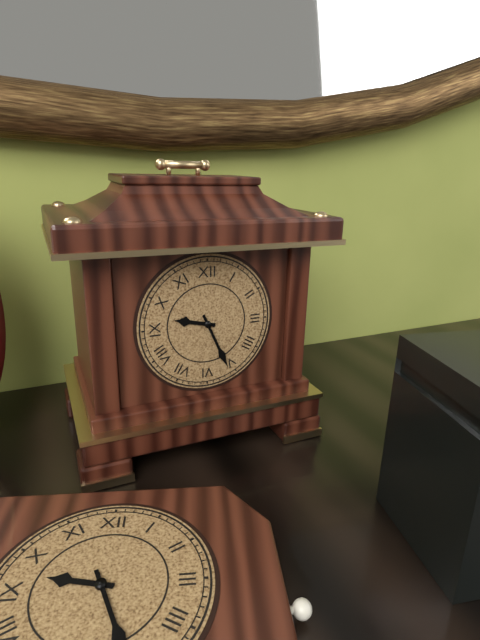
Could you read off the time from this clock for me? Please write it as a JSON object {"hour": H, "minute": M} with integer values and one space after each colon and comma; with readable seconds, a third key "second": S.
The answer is {"hour": 9, "minute": 26}
